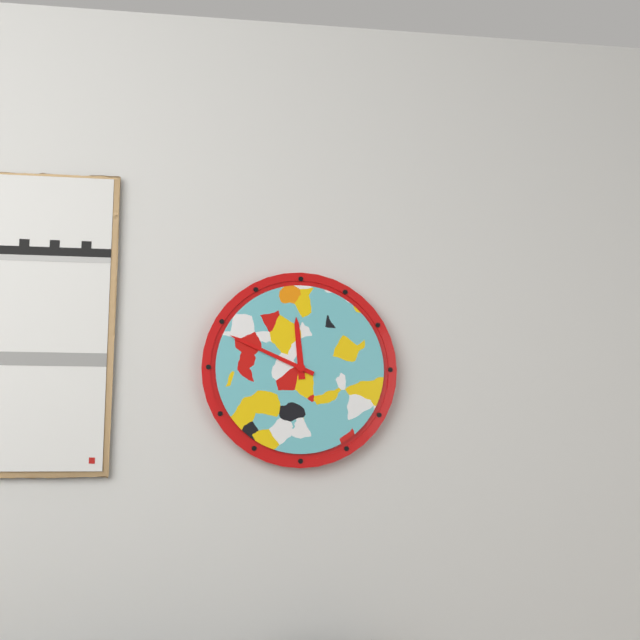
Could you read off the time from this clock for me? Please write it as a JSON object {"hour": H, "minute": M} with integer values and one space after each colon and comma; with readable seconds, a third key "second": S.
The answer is {"hour": 11, "minute": 49}
